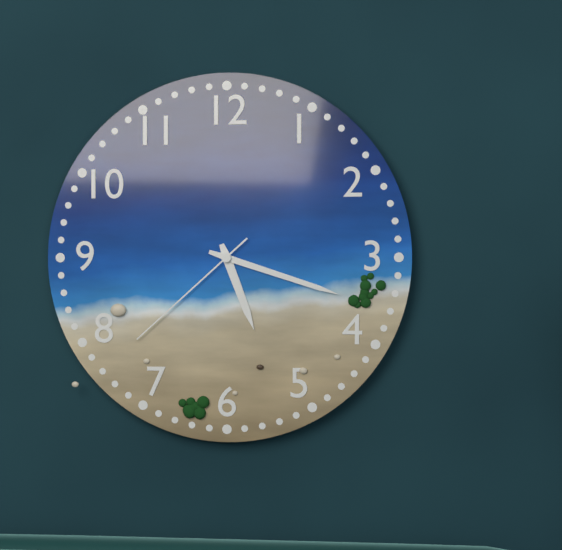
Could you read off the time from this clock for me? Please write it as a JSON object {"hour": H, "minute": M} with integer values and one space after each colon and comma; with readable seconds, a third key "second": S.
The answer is {"hour": 5, "minute": 18, "second": 38}
